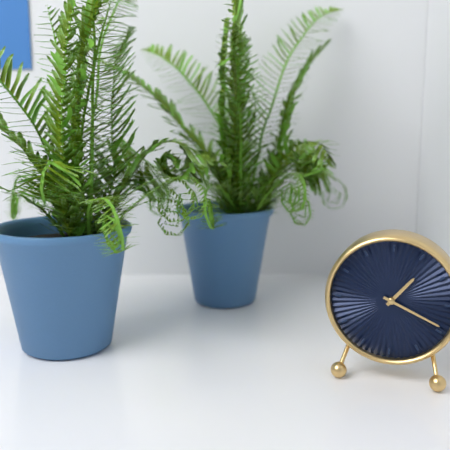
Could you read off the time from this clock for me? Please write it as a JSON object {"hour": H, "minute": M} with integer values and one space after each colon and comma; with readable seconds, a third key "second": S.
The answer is {"hour": 1, "minute": 19}
